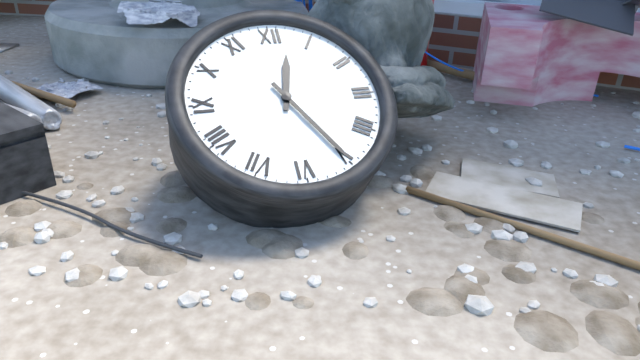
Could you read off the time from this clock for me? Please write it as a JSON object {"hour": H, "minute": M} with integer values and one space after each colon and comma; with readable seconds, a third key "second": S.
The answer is {"hour": 12, "minute": 25}
